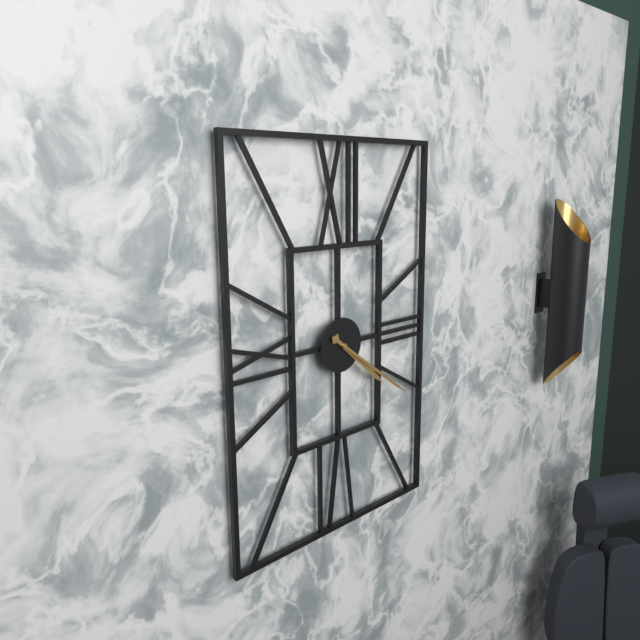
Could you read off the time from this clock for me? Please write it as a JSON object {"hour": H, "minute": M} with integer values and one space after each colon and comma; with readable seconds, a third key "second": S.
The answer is {"hour": 4, "minute": 21}
